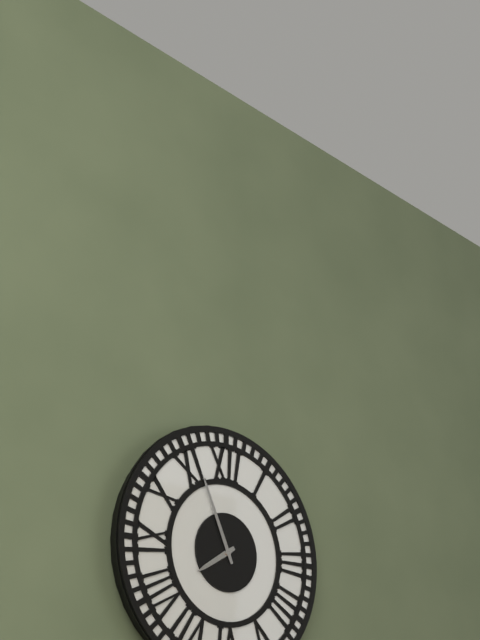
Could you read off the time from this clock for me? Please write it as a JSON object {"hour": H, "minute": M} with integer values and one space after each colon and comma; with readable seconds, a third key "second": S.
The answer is {"hour": 7, "minute": 56}
